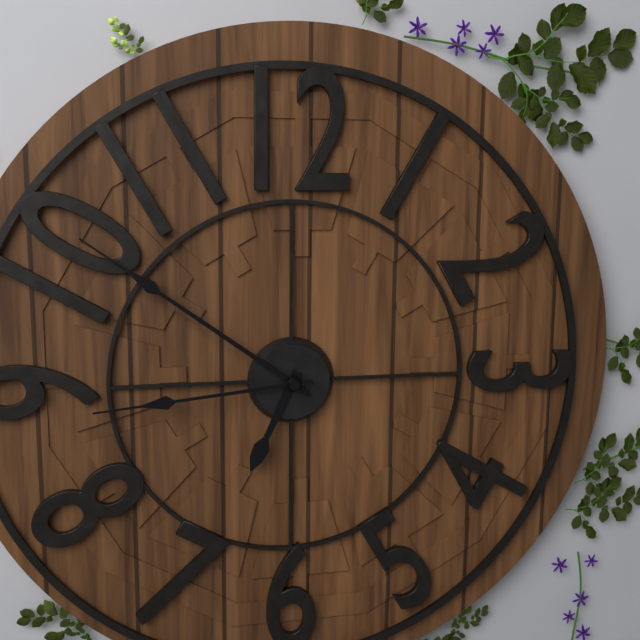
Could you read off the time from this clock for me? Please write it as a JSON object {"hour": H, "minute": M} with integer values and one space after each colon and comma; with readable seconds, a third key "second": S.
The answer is {"hour": 6, "minute": 51, "second": 44}
